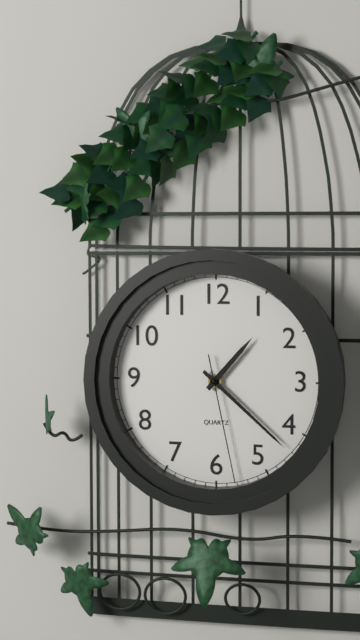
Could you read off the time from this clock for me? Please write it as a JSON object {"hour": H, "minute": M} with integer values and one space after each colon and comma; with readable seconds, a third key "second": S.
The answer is {"hour": 1, "minute": 22, "second": 28}
